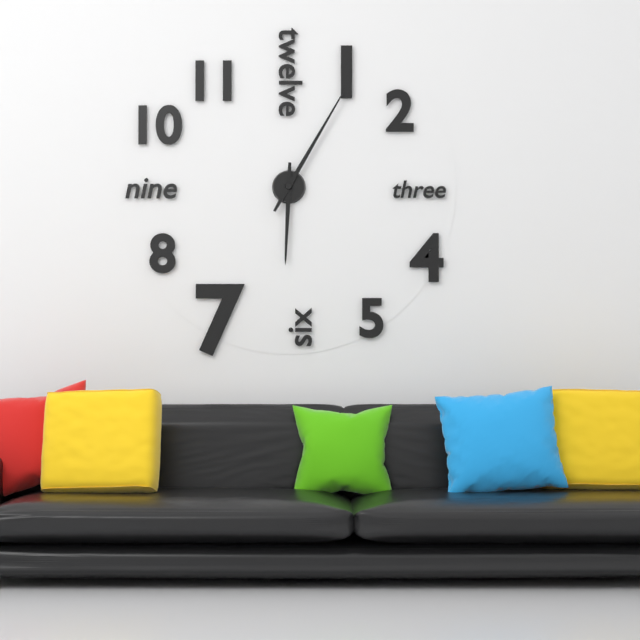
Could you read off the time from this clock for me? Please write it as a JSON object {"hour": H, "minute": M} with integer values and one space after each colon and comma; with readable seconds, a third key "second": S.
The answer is {"hour": 6, "minute": 5}
